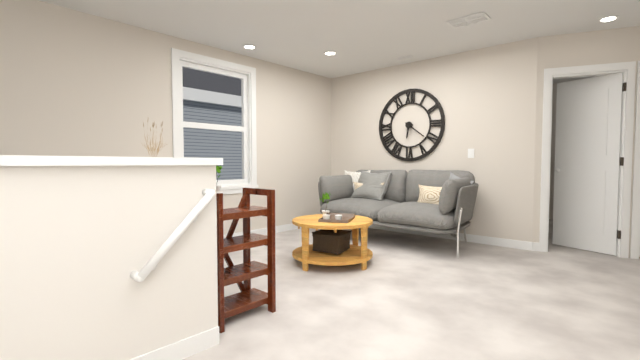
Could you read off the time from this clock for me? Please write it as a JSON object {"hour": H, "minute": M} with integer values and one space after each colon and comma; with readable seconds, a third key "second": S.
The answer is {"hour": 6, "minute": 21}
